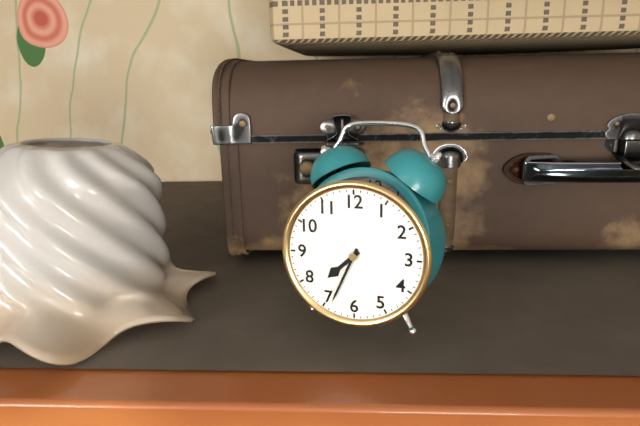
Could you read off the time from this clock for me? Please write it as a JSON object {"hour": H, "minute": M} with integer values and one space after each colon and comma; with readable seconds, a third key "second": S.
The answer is {"hour": 7, "minute": 34}
